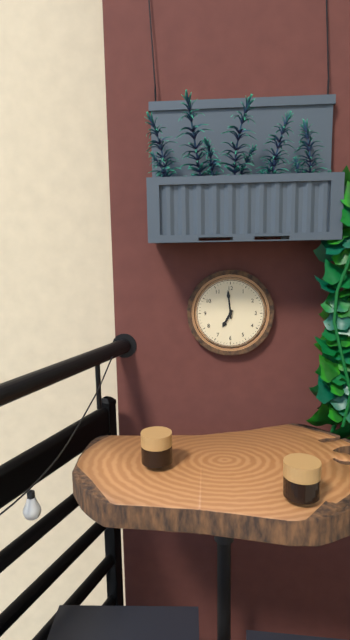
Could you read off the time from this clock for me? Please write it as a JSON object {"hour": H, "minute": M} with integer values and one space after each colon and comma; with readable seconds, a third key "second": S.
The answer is {"hour": 6, "minute": 59}
